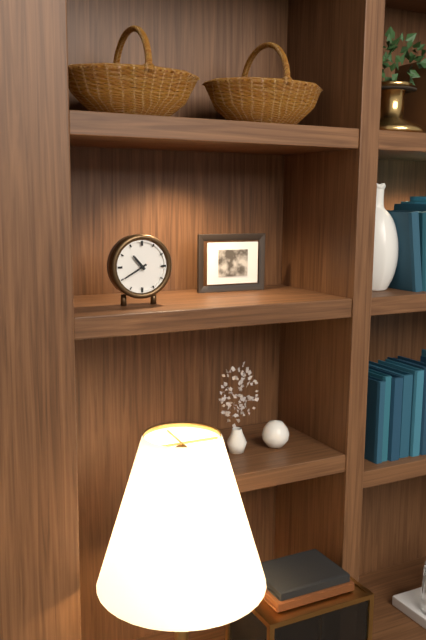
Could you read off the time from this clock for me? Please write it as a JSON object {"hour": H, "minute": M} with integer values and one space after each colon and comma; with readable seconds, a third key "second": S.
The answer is {"hour": 10, "minute": 40}
